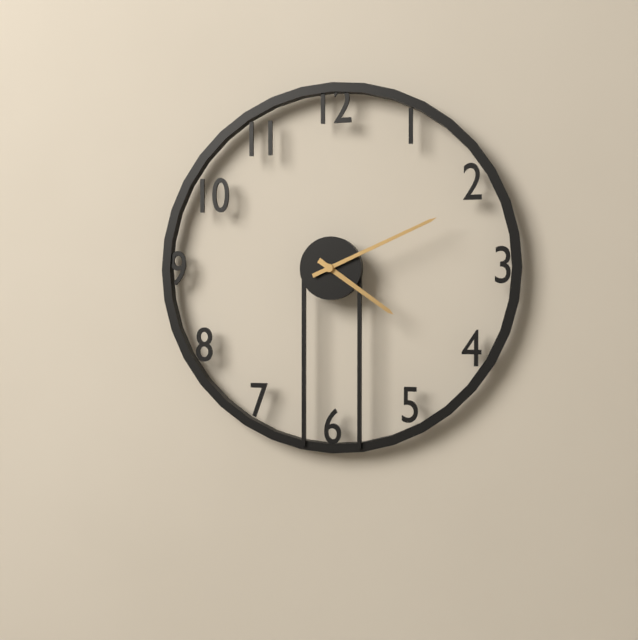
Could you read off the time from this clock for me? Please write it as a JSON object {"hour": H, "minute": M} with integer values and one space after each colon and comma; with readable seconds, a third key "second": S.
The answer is {"hour": 4, "minute": 11}
